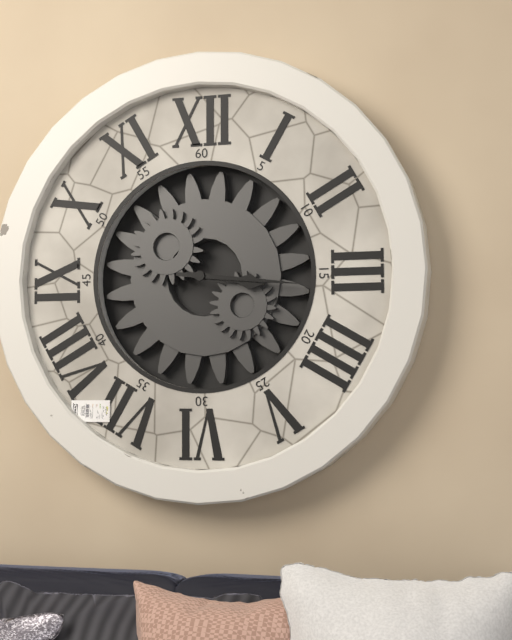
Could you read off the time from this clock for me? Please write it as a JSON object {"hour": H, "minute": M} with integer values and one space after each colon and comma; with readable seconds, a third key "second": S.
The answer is {"hour": 3, "minute": 16}
